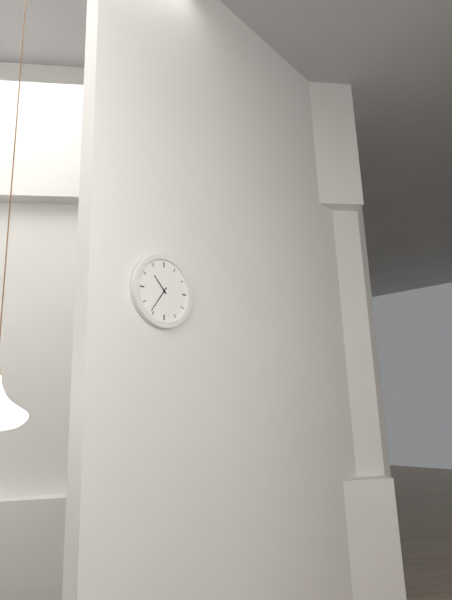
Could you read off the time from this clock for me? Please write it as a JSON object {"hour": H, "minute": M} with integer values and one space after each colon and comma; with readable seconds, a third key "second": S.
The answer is {"hour": 10, "minute": 36}
